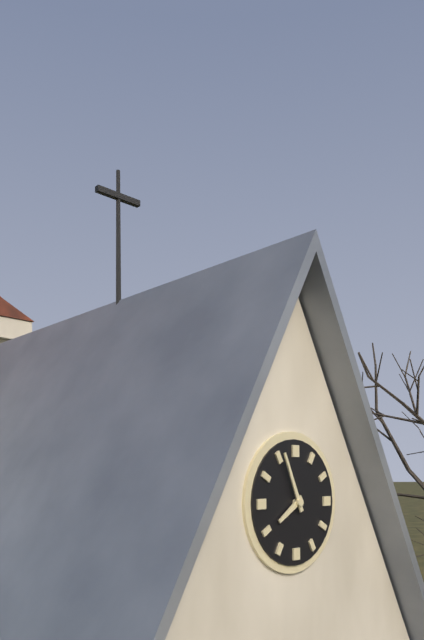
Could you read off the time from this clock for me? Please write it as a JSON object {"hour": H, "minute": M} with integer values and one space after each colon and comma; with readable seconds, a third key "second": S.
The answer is {"hour": 7, "minute": 56}
